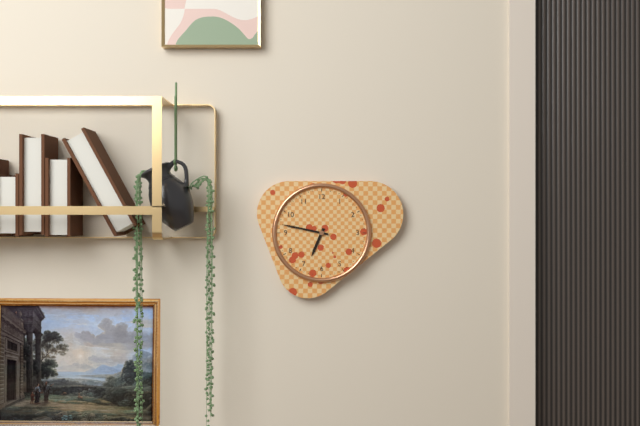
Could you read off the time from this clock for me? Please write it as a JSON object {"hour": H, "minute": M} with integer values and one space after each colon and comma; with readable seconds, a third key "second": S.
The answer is {"hour": 6, "minute": 47}
